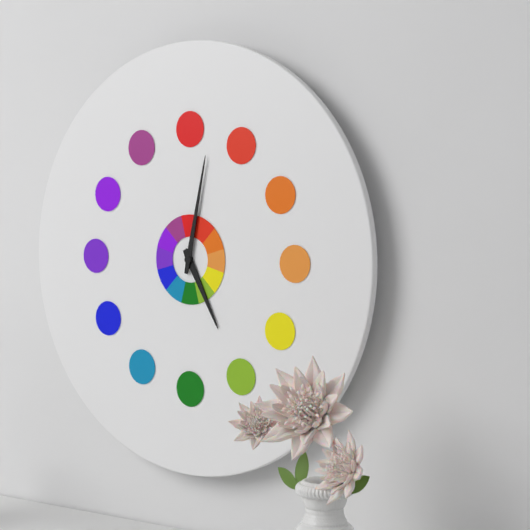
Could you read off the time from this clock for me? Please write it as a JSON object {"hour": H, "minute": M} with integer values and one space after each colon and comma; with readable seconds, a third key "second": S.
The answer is {"hour": 5, "minute": 2}
